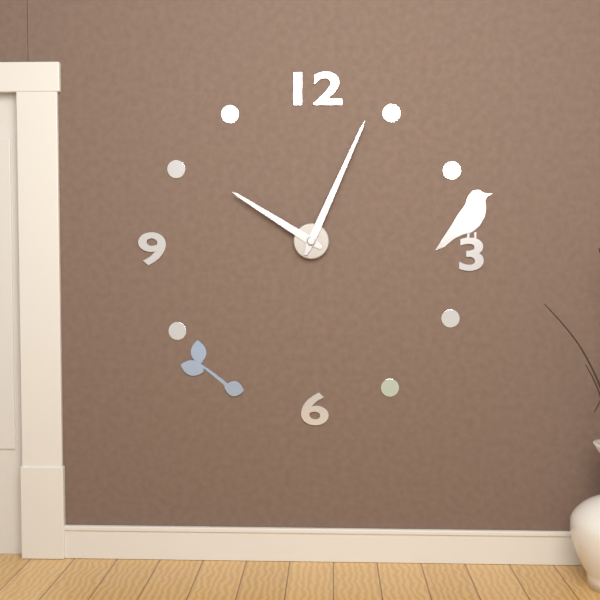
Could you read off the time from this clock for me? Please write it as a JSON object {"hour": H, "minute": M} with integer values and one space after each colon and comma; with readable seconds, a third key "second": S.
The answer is {"hour": 10, "minute": 4}
